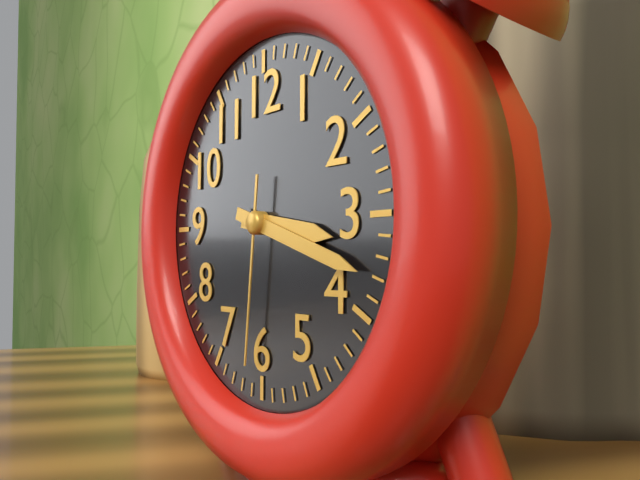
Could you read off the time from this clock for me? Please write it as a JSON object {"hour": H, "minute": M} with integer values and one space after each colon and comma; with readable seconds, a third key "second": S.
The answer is {"hour": 3, "minute": 18, "second": 31}
